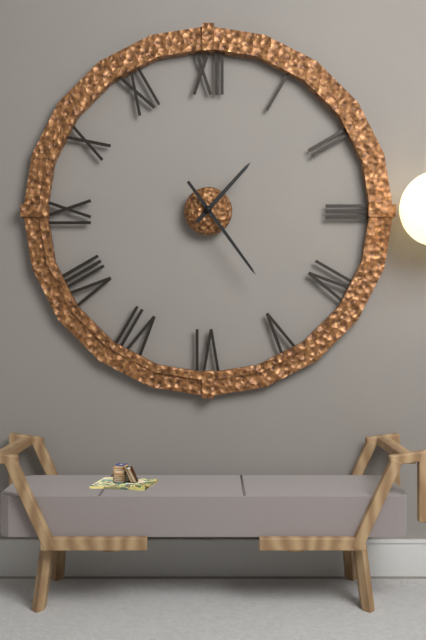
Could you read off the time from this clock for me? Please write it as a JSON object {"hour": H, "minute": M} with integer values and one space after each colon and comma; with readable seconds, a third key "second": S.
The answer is {"hour": 1, "minute": 24}
